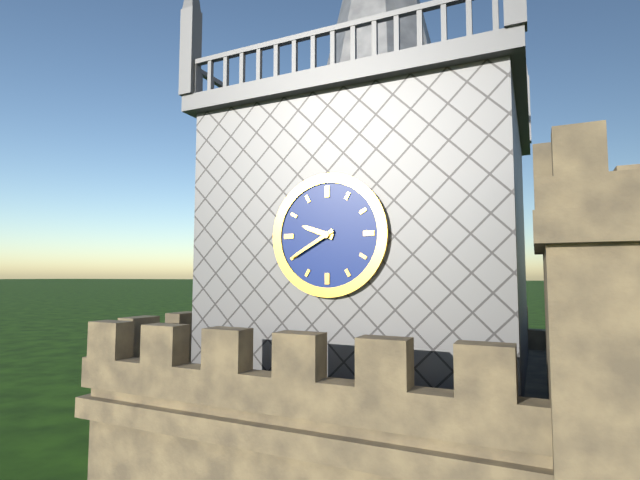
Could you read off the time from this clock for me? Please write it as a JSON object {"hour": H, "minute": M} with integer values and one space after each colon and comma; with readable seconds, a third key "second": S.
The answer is {"hour": 9, "minute": 40}
